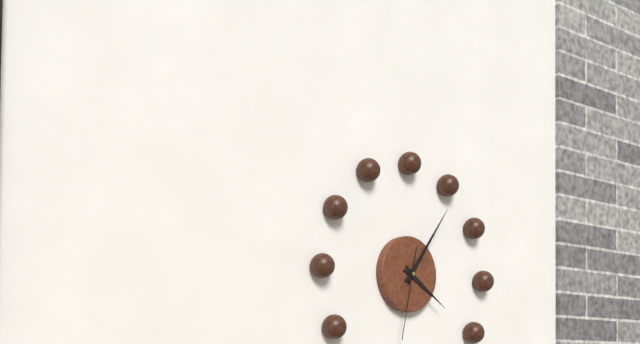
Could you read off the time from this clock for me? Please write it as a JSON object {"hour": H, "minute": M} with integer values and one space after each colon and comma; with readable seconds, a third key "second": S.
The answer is {"hour": 4, "minute": 6, "second": 32}
